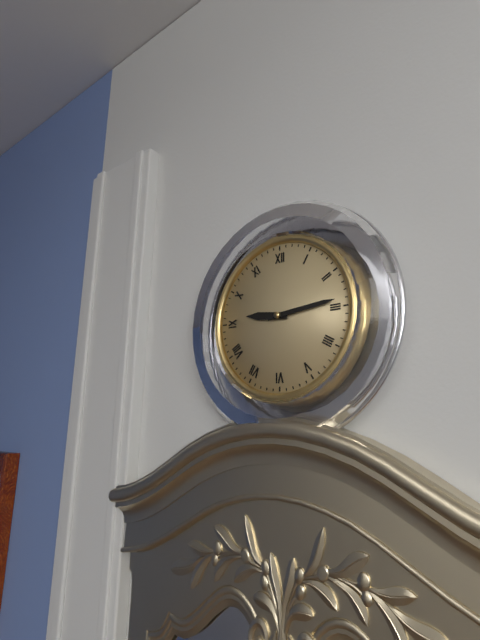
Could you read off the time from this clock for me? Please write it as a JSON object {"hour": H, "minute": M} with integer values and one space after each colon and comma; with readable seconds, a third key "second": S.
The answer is {"hour": 9, "minute": 14}
